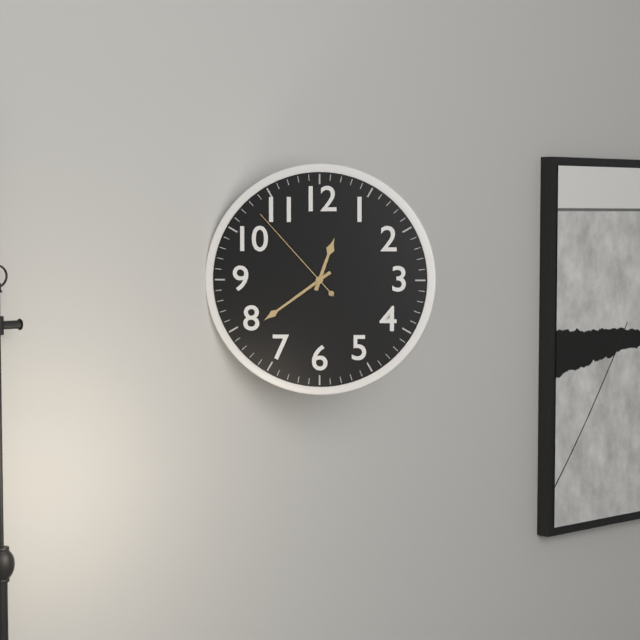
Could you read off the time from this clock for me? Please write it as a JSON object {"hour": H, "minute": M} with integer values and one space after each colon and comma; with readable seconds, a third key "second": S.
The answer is {"hour": 12, "minute": 39, "second": 53}
